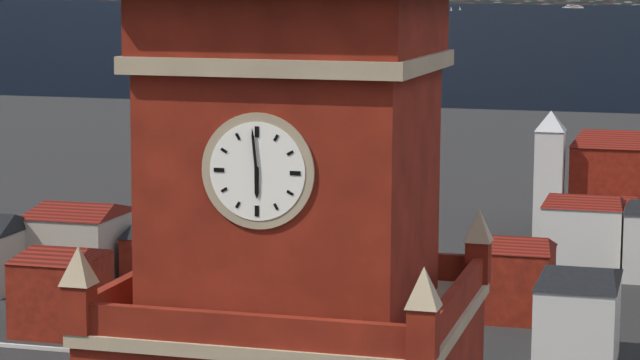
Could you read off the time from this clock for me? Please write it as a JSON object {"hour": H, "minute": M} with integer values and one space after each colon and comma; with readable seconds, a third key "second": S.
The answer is {"hour": 5, "minute": 59}
